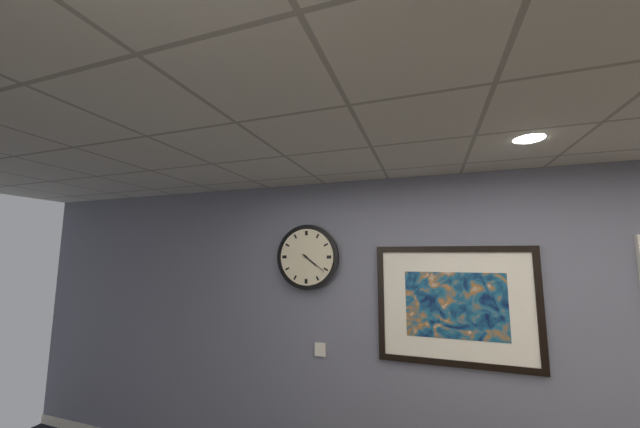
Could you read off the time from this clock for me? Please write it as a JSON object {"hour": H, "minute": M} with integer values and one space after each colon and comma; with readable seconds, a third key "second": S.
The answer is {"hour": 4, "minute": 21}
